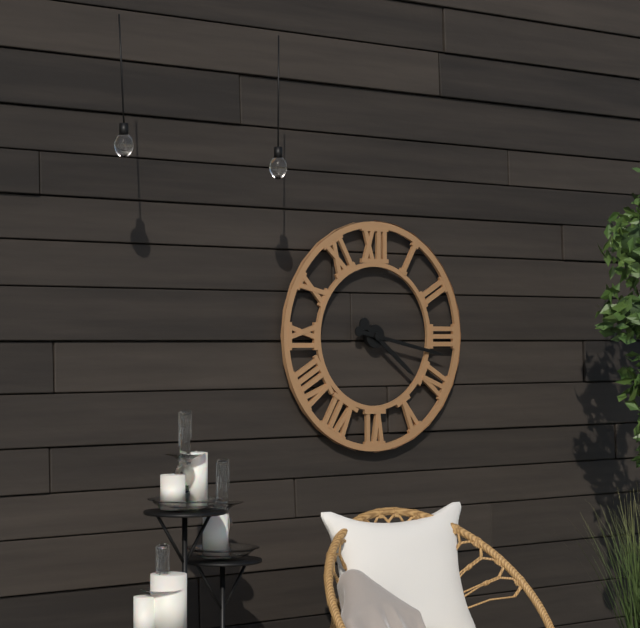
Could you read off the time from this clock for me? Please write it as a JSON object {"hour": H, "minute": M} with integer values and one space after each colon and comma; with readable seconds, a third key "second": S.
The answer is {"hour": 4, "minute": 17}
